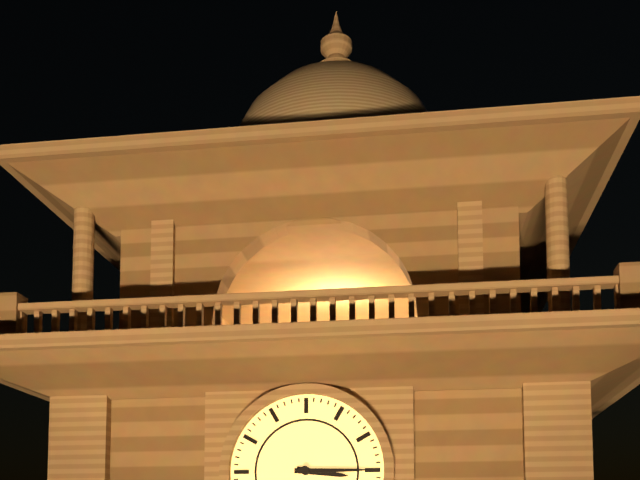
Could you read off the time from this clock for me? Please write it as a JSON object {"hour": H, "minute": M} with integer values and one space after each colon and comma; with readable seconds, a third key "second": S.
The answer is {"hour": 3, "minute": 15}
